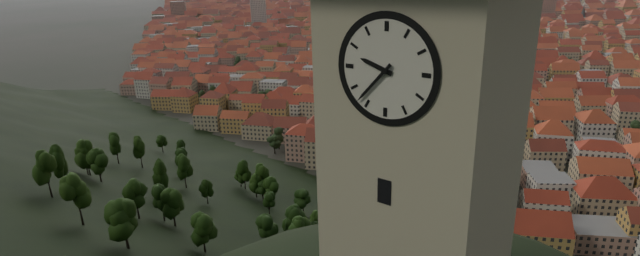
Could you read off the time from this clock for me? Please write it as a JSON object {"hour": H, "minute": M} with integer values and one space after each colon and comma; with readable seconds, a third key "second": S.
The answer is {"hour": 9, "minute": 37}
